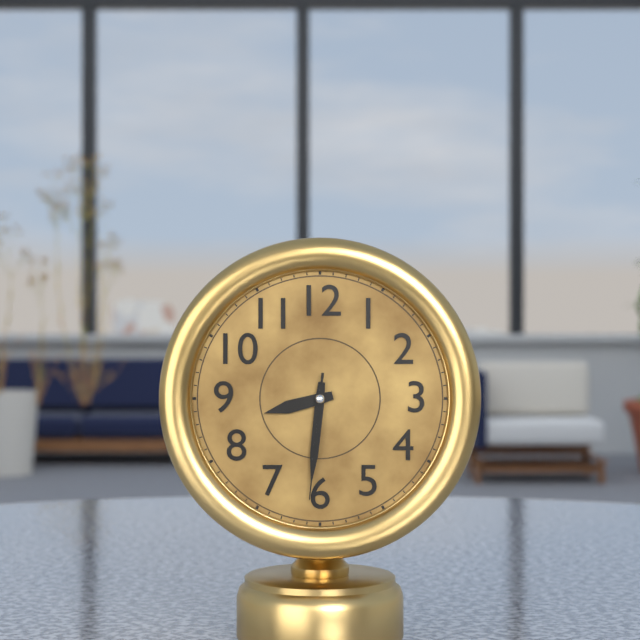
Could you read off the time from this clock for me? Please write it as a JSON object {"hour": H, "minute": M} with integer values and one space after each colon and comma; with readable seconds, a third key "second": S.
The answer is {"hour": 8, "minute": 31, "second": 31}
